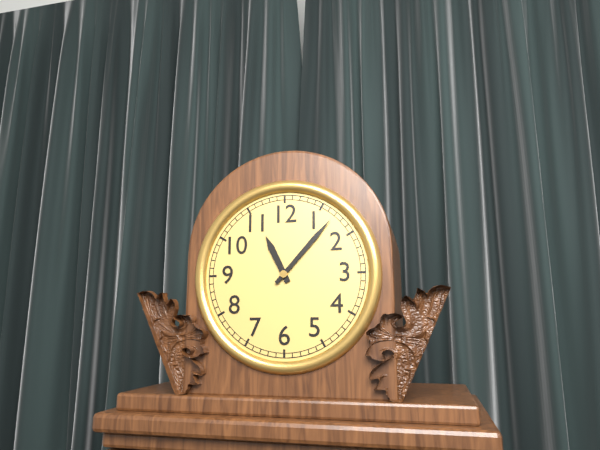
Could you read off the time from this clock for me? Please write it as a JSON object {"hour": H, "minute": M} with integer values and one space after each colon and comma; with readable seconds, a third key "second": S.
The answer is {"hour": 11, "minute": 7}
